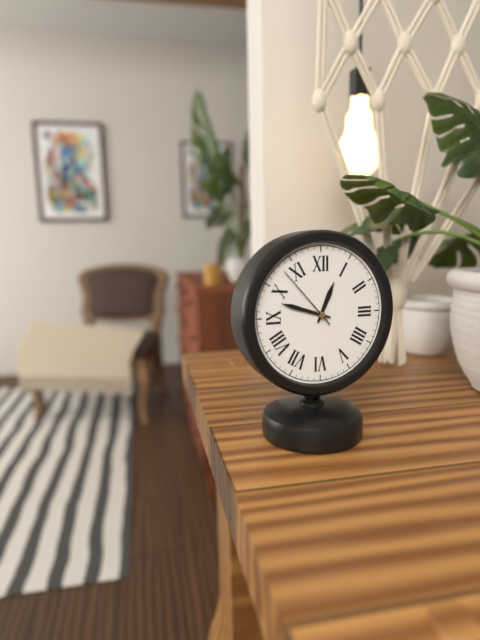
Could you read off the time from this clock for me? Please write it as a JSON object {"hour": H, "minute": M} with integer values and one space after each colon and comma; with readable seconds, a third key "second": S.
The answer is {"hour": 12, "minute": 48, "second": 53}
